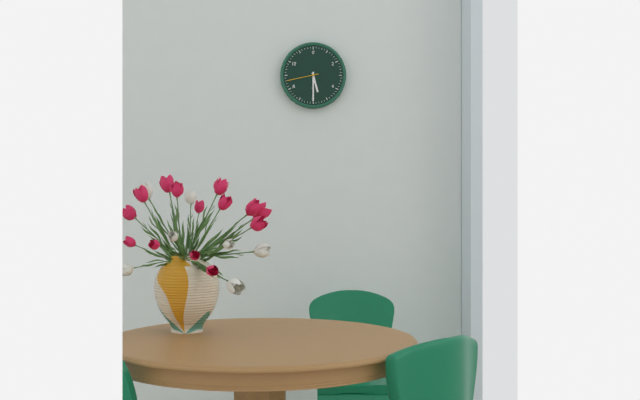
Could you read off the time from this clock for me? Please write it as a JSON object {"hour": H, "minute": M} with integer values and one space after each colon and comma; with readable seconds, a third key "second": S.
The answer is {"hour": 5, "minute": 30}
